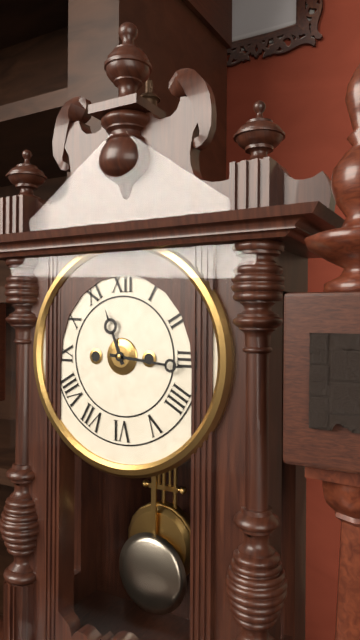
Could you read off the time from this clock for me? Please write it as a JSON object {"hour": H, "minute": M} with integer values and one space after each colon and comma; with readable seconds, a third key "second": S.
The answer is {"hour": 11, "minute": 16}
